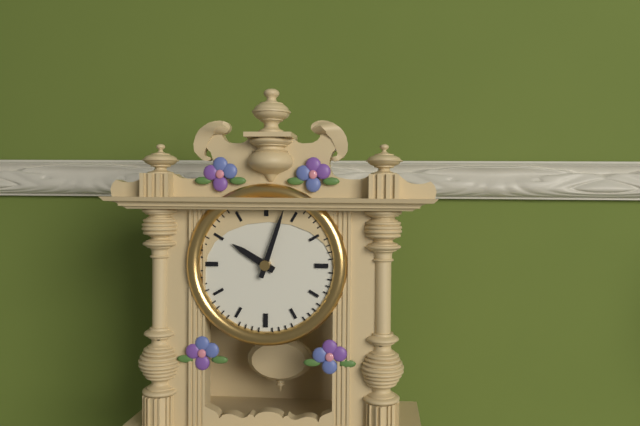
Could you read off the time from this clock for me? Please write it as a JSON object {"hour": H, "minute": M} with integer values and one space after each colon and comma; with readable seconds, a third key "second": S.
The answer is {"hour": 10, "minute": 3}
